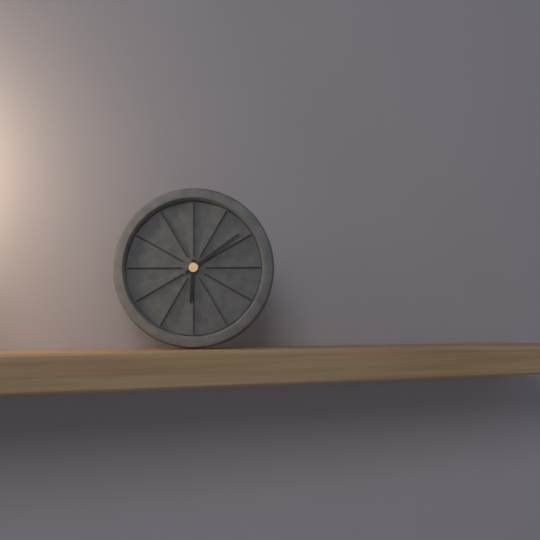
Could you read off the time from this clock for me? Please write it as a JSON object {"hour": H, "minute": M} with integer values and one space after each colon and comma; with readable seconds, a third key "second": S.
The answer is {"hour": 6, "minute": 9}
